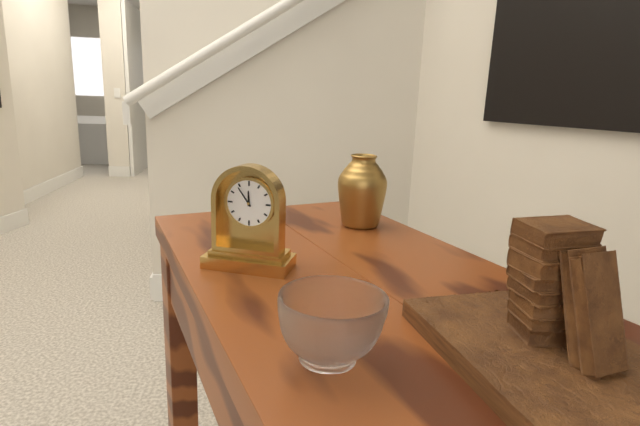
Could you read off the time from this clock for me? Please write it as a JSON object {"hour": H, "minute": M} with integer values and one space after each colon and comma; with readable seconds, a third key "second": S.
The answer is {"hour": 11, "minute": 54}
